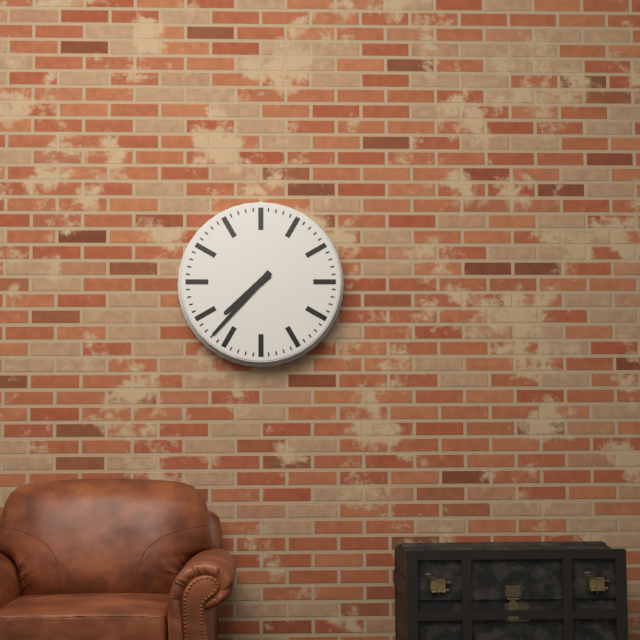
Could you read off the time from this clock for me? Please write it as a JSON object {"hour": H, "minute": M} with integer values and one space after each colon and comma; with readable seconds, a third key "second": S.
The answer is {"hour": 7, "minute": 37}
